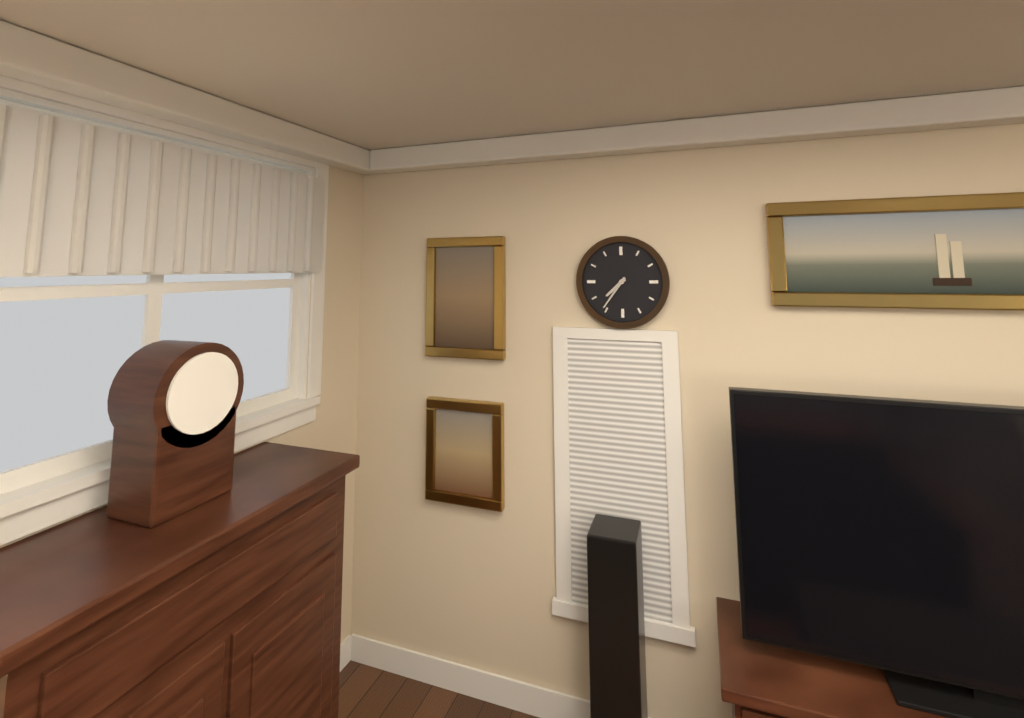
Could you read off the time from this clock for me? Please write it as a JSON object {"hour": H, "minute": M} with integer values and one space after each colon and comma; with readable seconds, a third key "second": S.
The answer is {"hour": 7, "minute": 36}
